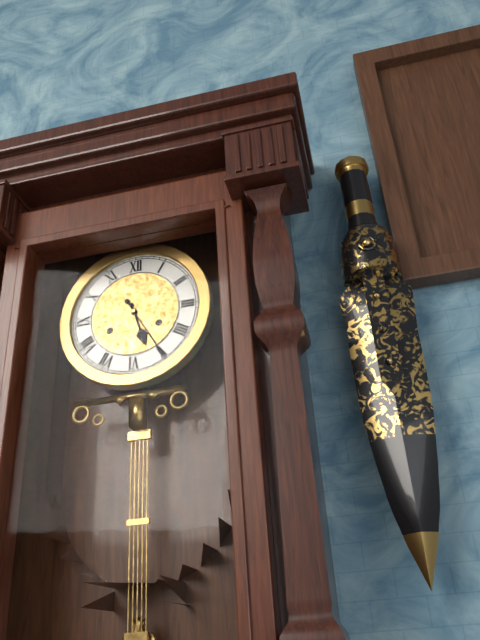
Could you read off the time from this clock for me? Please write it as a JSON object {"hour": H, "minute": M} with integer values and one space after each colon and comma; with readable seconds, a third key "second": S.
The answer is {"hour": 5, "minute": 25}
